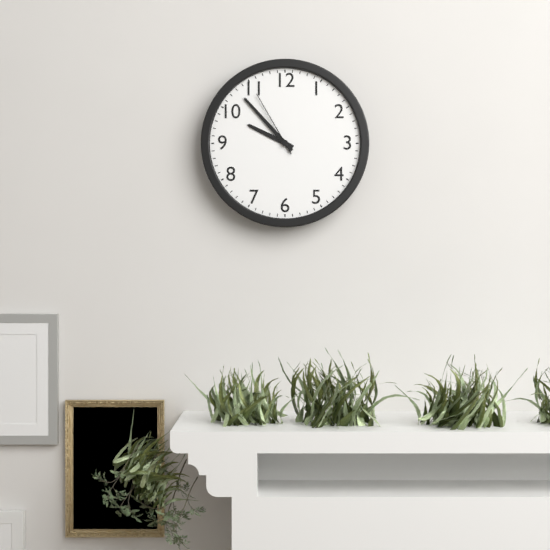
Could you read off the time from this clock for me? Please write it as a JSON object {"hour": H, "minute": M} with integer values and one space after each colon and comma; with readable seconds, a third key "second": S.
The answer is {"hour": 9, "minute": 53, "second": 55}
